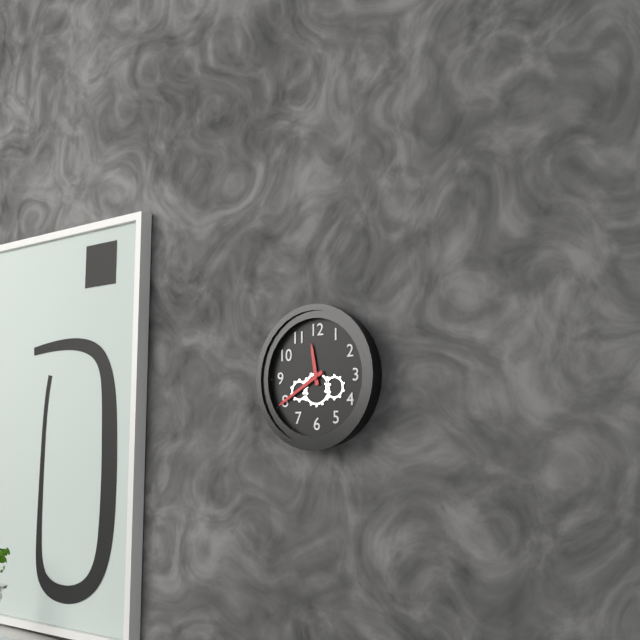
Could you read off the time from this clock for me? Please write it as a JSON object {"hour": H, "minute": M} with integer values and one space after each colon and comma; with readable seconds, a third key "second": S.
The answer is {"hour": 11, "minute": 40}
